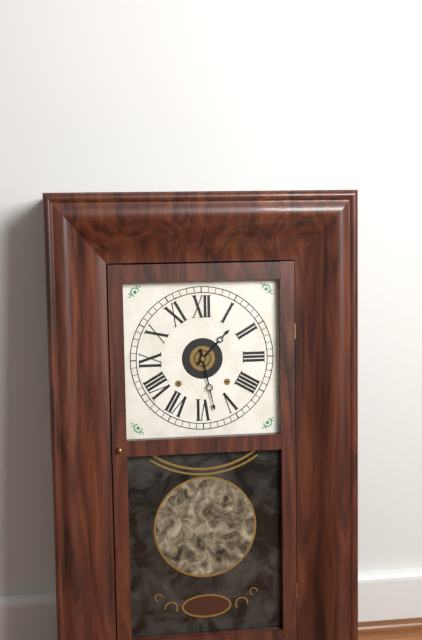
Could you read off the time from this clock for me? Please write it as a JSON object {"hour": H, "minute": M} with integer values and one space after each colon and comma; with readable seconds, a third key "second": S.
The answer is {"hour": 1, "minute": 28}
